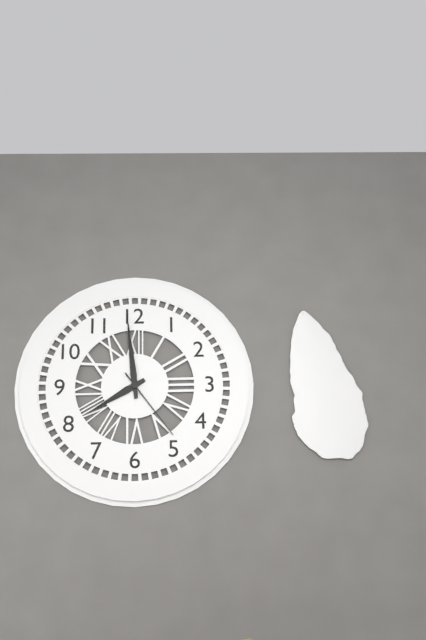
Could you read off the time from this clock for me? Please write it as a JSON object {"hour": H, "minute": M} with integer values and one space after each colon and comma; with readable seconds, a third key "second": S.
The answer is {"hour": 7, "minute": 59, "second": 24}
